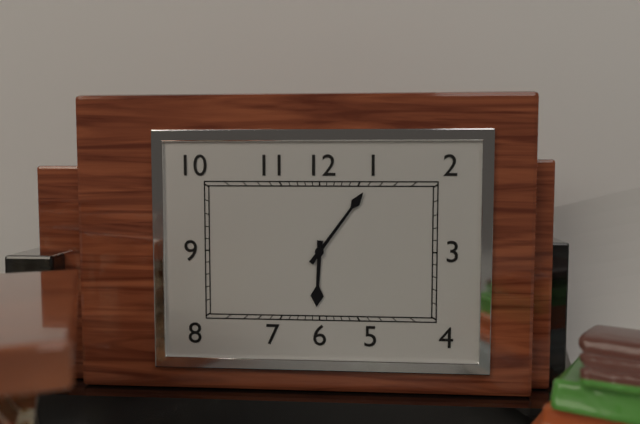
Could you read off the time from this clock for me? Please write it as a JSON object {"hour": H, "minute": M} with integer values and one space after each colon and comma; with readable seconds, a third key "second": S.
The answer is {"hour": 6, "minute": 6}
